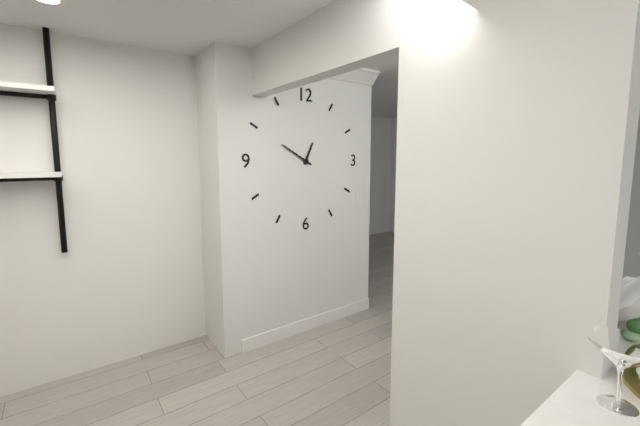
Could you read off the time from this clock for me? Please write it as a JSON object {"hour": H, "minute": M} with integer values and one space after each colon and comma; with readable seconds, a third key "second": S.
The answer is {"hour": 12, "minute": 50}
